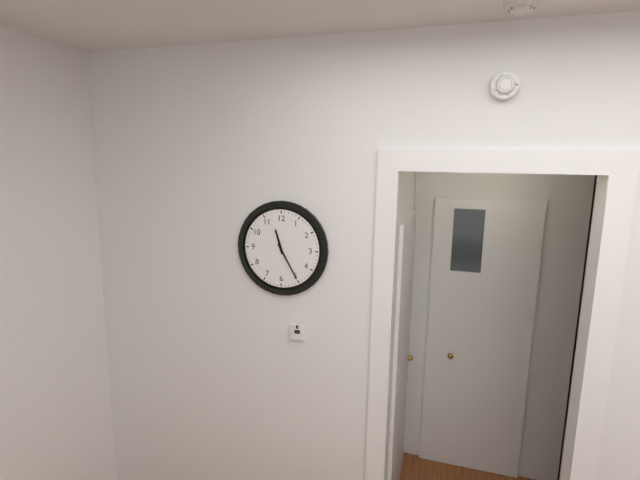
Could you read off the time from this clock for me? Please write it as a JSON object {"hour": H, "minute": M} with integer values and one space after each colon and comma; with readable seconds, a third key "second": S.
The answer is {"hour": 11, "minute": 25}
